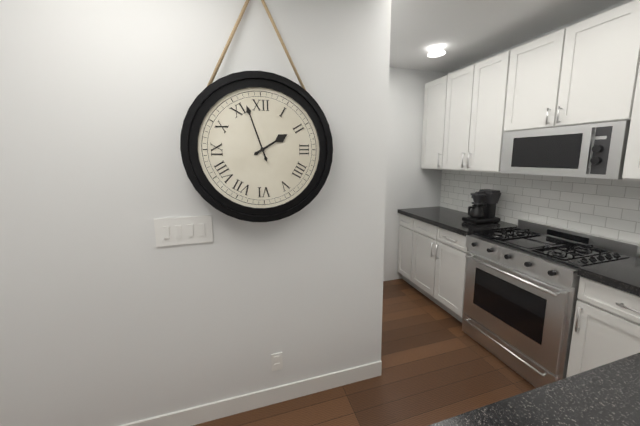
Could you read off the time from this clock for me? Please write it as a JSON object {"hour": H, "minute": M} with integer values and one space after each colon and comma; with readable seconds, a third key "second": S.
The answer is {"hour": 1, "minute": 57}
